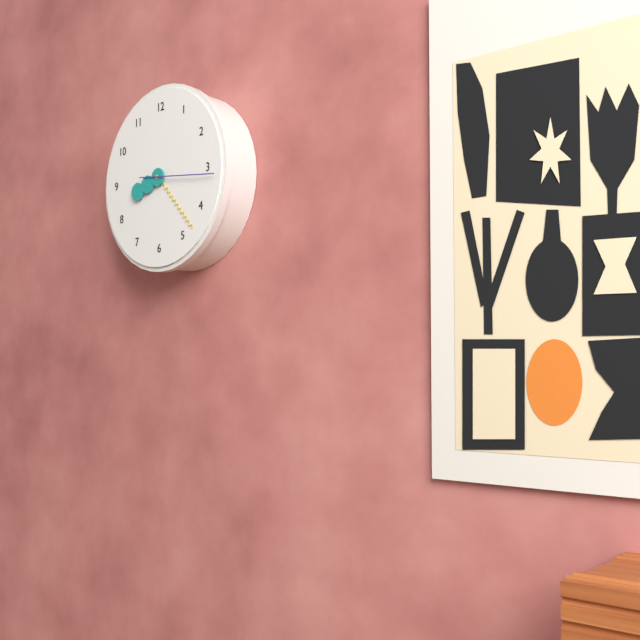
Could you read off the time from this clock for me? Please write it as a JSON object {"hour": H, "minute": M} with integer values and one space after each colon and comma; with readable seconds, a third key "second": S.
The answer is {"hour": 8, "minute": 23, "second": 16}
